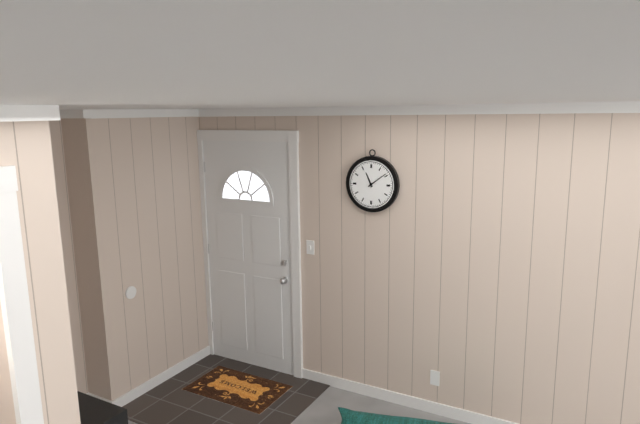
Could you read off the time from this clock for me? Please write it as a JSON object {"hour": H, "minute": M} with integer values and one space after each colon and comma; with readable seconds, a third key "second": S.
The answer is {"hour": 11, "minute": 9}
